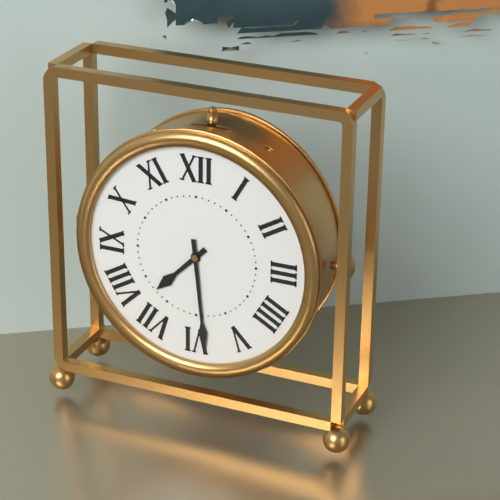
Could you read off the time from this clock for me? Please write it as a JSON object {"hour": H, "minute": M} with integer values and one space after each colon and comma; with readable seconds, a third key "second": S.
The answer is {"hour": 7, "minute": 29}
